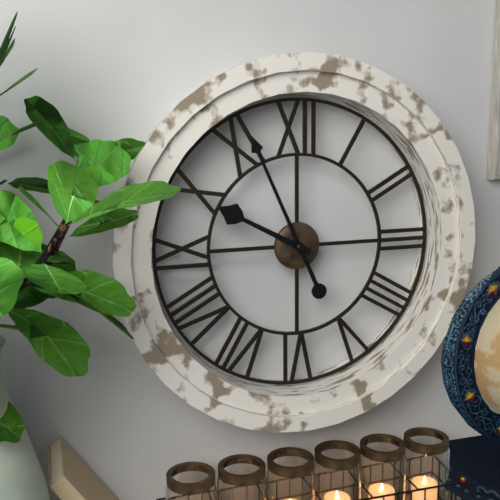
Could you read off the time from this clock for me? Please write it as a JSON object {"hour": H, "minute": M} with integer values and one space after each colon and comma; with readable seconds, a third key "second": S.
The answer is {"hour": 9, "minute": 56}
